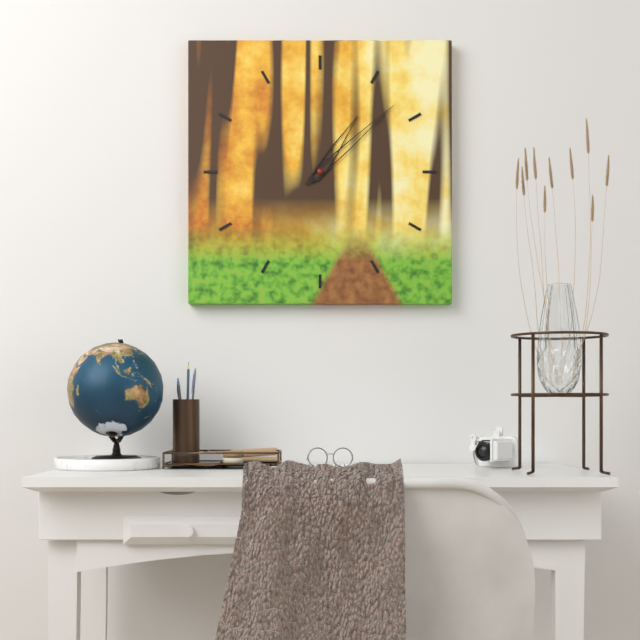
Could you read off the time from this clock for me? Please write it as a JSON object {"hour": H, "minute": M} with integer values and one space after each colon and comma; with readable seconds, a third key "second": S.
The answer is {"hour": 1, "minute": 8}
